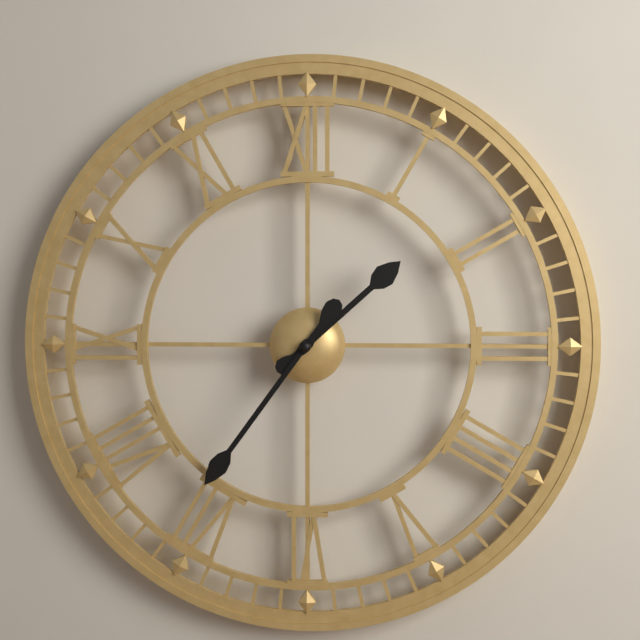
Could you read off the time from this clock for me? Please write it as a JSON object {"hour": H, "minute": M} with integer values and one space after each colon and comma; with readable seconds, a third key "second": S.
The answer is {"hour": 1, "minute": 36}
